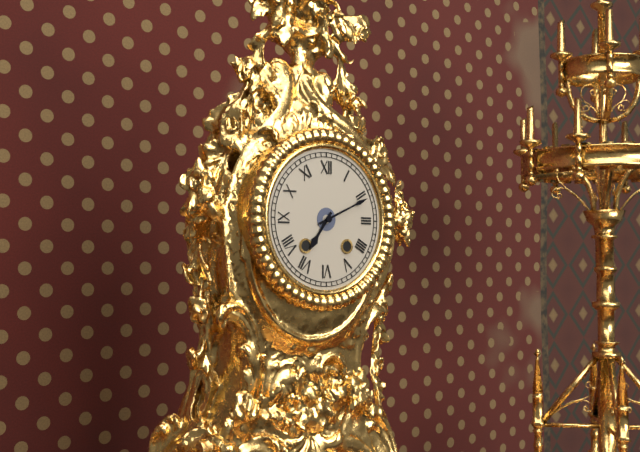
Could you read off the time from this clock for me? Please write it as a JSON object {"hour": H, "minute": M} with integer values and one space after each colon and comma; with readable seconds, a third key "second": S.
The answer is {"hour": 7, "minute": 11}
